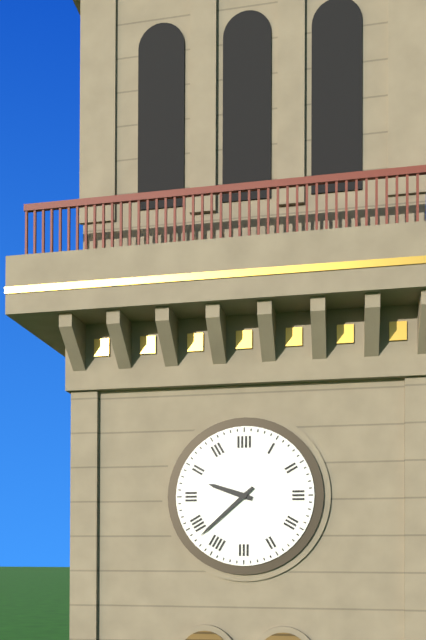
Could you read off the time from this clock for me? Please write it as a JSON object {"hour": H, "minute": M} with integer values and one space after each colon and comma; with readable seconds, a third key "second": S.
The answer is {"hour": 9, "minute": 38}
